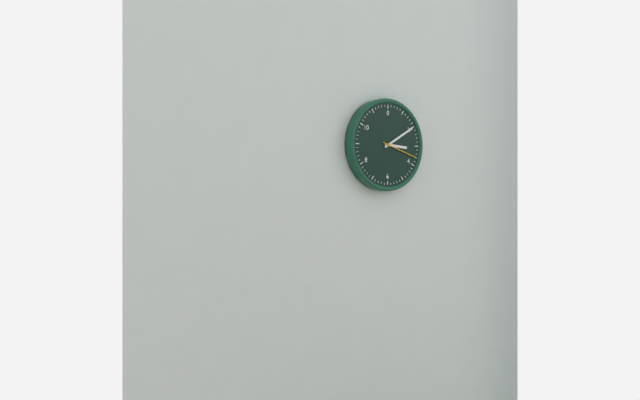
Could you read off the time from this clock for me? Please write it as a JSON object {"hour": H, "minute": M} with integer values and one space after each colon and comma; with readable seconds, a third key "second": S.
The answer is {"hour": 3, "minute": 10}
